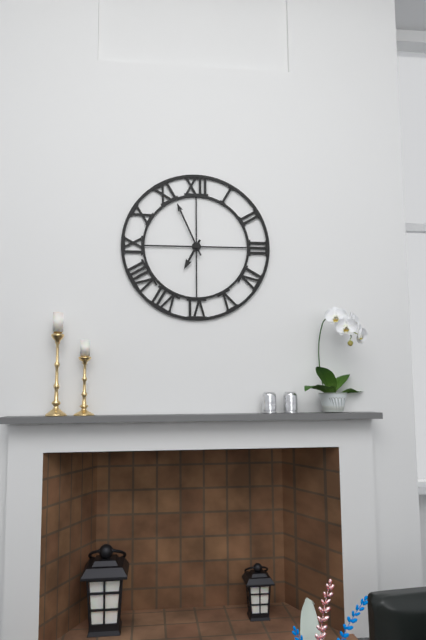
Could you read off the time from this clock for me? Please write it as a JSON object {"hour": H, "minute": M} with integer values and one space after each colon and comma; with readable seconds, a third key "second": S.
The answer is {"hour": 6, "minute": 56}
